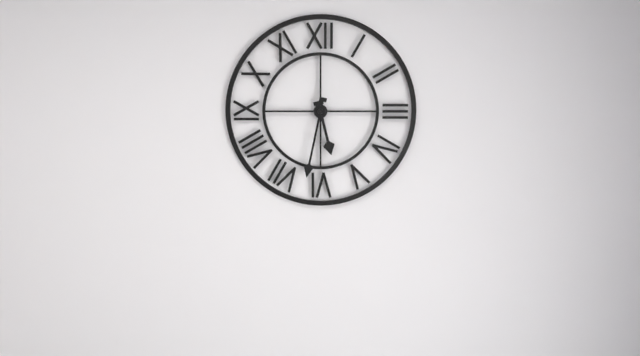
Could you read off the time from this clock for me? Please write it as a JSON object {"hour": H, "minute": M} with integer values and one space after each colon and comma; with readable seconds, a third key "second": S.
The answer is {"hour": 5, "minute": 32}
